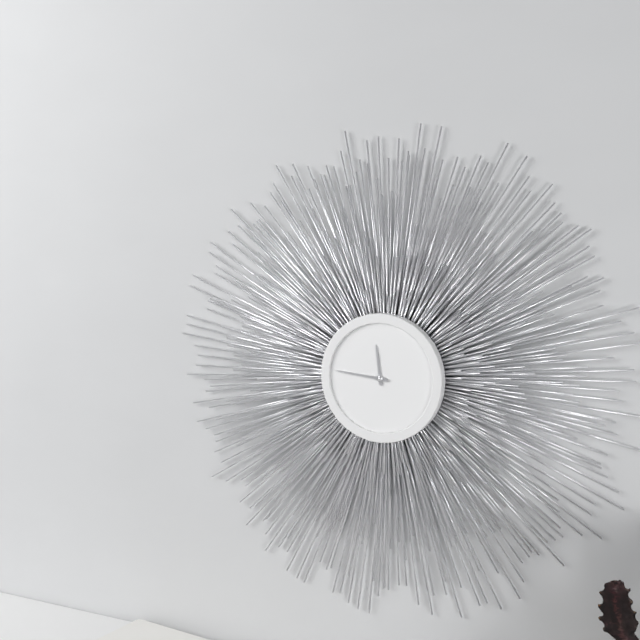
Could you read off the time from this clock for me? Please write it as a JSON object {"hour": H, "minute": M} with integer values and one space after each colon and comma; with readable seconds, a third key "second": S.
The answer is {"hour": 11, "minute": 46}
